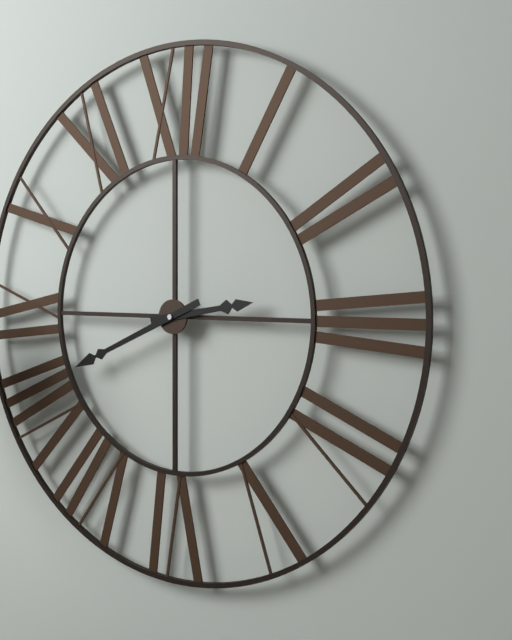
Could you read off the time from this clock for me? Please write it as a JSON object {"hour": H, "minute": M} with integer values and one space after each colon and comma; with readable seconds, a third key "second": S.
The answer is {"hour": 2, "minute": 41}
